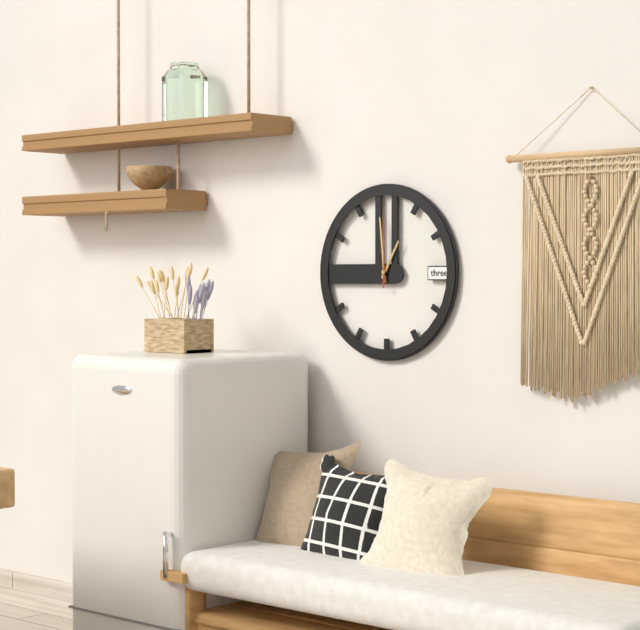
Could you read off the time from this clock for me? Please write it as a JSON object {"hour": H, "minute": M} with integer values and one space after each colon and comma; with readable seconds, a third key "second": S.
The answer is {"hour": 12, "minute": 59, "second": 0}
